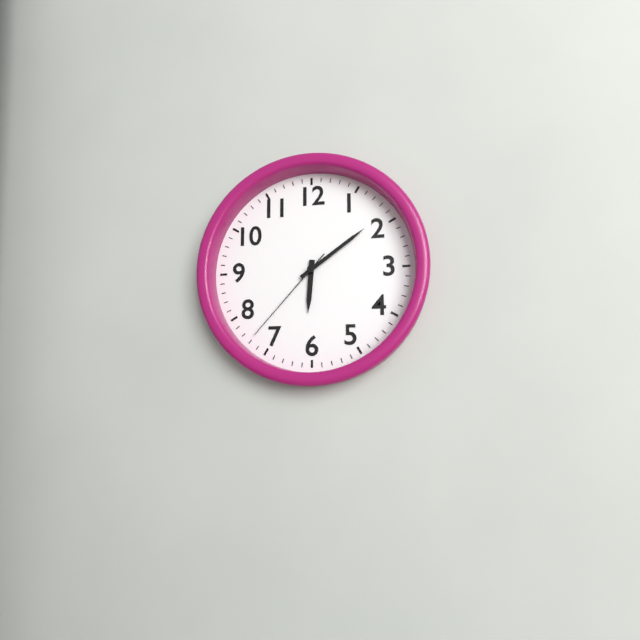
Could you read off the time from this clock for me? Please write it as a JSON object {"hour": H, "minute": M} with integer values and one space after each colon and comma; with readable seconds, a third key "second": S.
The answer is {"hour": 6, "minute": 9, "second": 37}
